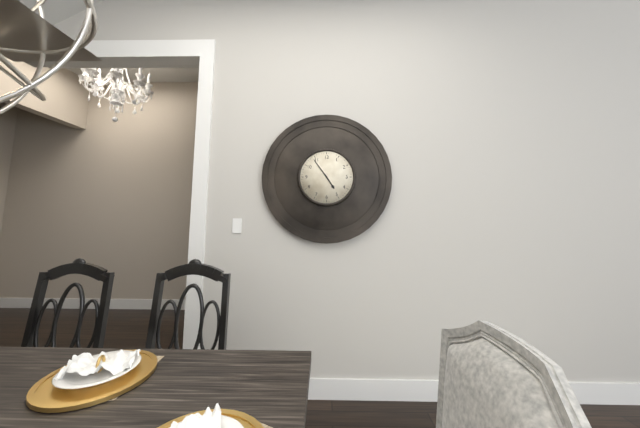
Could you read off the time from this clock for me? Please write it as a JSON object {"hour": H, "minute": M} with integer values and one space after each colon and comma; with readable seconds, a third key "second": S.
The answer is {"hour": 4, "minute": 54}
